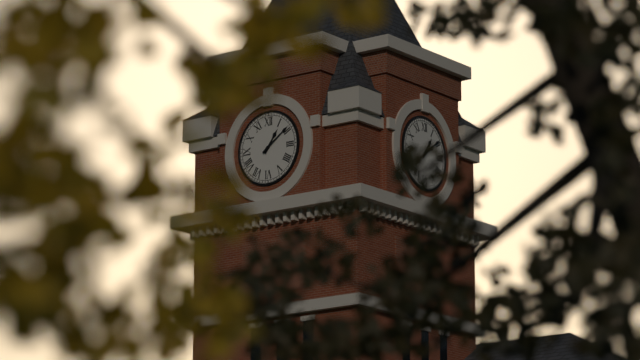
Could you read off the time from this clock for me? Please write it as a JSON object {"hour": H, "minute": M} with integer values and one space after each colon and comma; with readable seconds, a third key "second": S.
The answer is {"hour": 1, "minute": 9}
